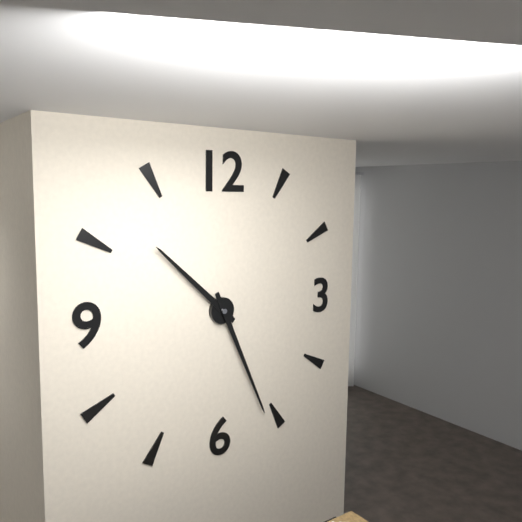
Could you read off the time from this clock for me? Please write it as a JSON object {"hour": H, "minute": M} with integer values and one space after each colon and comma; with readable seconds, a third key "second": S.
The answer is {"hour": 10, "minute": 26}
